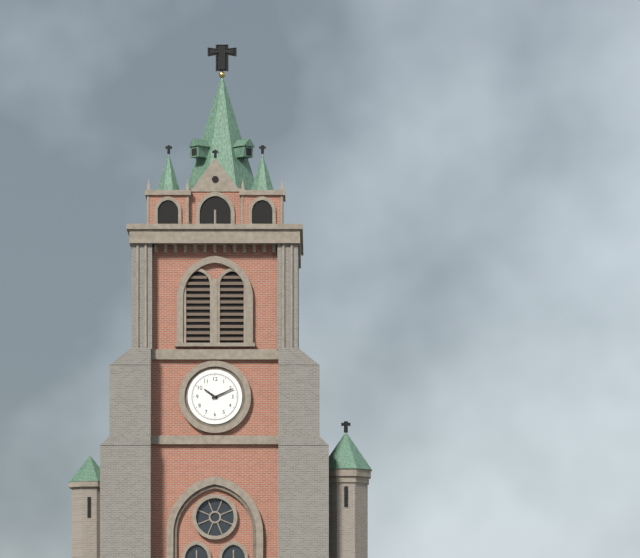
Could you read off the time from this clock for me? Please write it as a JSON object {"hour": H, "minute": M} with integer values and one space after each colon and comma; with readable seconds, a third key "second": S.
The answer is {"hour": 10, "minute": 11}
